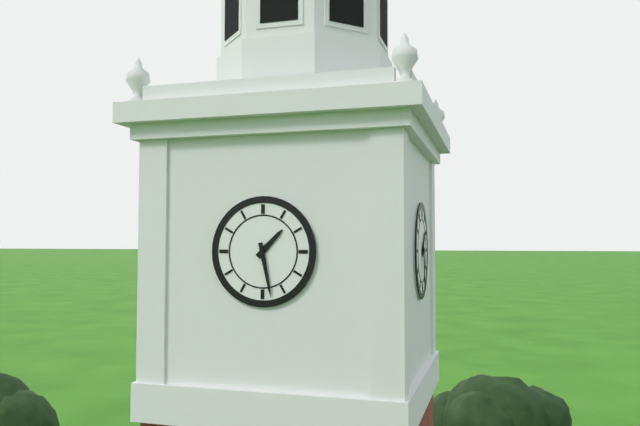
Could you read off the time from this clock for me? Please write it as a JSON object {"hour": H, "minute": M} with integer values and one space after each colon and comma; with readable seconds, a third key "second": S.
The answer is {"hour": 1, "minute": 28}
